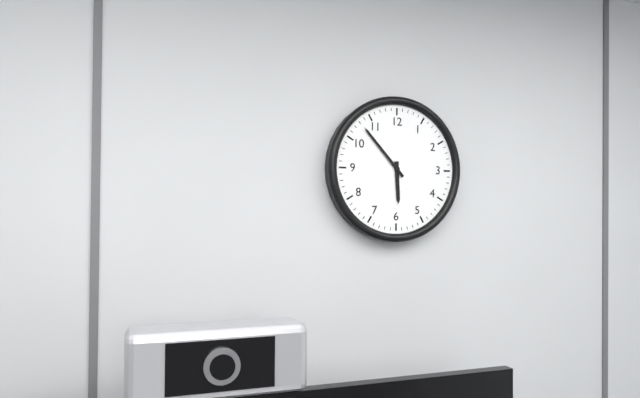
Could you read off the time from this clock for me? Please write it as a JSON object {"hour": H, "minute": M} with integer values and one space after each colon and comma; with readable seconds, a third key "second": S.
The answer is {"hour": 5, "minute": 53}
